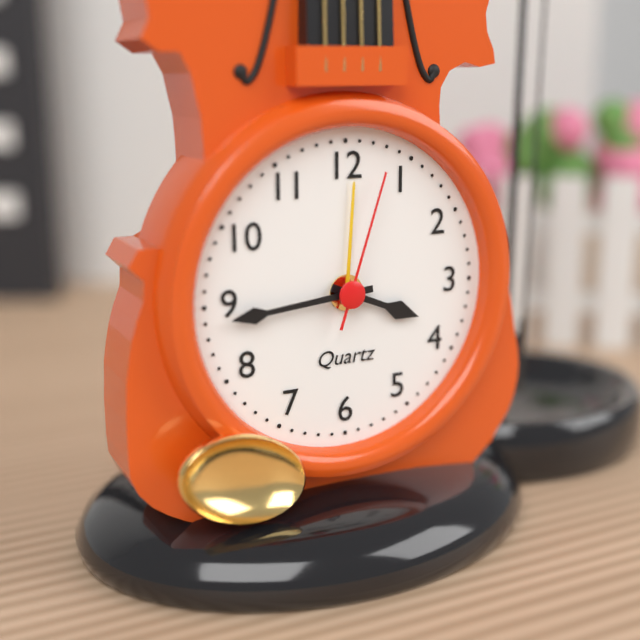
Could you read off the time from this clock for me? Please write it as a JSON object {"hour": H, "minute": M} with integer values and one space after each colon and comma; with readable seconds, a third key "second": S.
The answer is {"hour": 3, "minute": 44, "second": 3}
